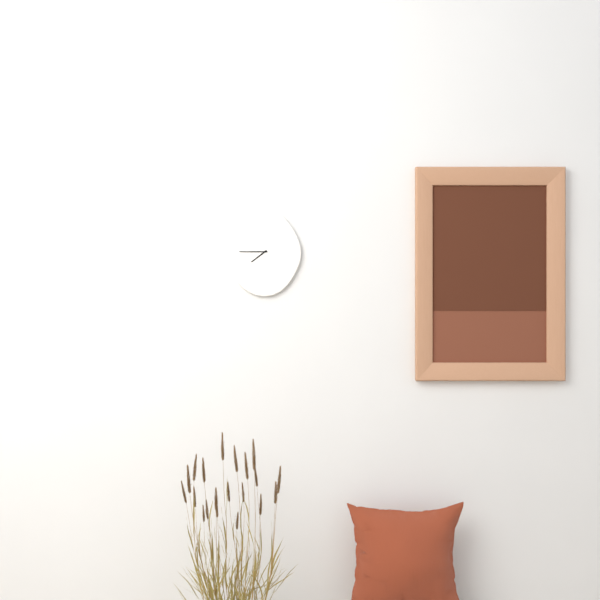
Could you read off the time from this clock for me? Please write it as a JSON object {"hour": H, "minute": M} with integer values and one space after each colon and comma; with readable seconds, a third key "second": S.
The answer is {"hour": 7, "minute": 45}
